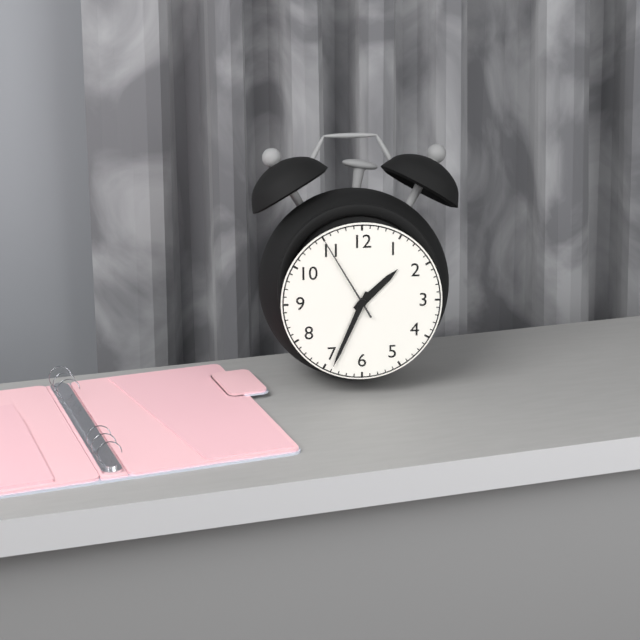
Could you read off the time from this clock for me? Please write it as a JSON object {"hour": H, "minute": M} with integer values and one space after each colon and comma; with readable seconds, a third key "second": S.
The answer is {"hour": 1, "minute": 34, "second": 55}
